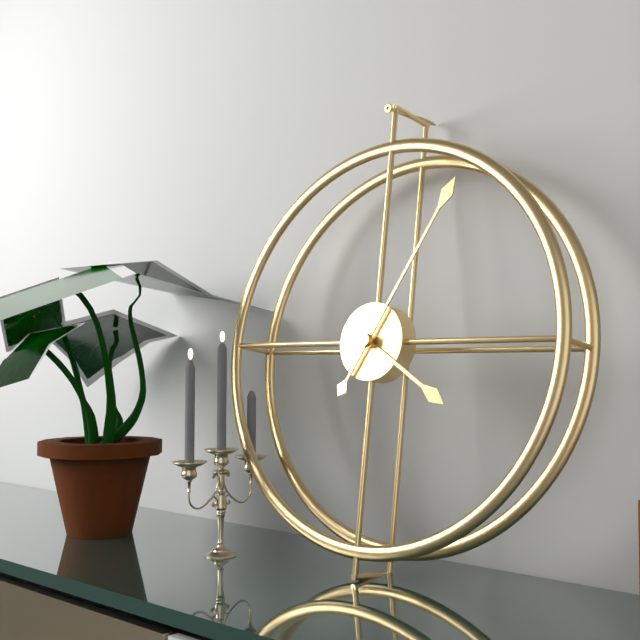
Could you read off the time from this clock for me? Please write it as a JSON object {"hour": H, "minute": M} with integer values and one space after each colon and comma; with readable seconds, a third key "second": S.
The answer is {"hour": 4, "minute": 5}
